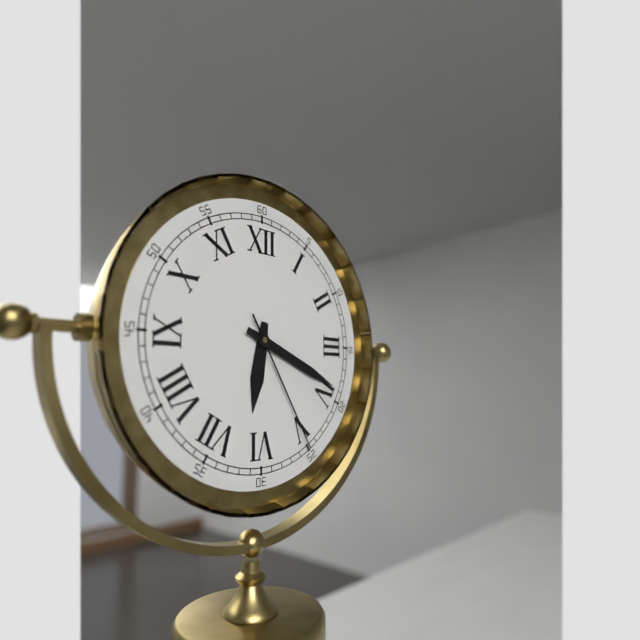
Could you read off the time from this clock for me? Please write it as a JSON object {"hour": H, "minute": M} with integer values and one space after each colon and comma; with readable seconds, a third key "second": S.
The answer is {"hour": 6, "minute": 19, "second": 25}
